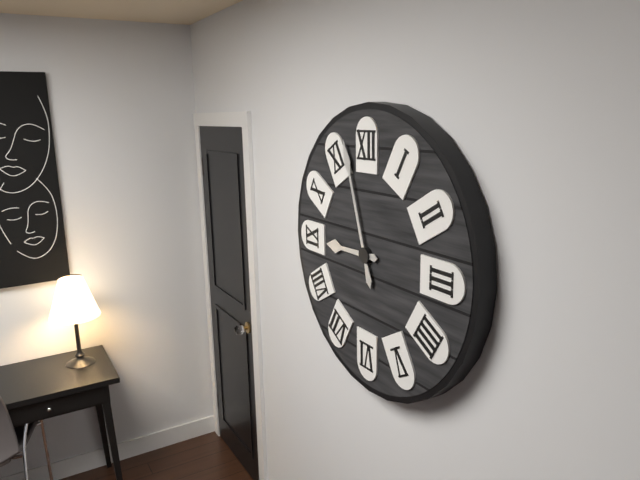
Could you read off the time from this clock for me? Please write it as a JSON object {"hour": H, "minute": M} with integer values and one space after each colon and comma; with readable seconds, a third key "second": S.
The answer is {"hour": 8, "minute": 57}
